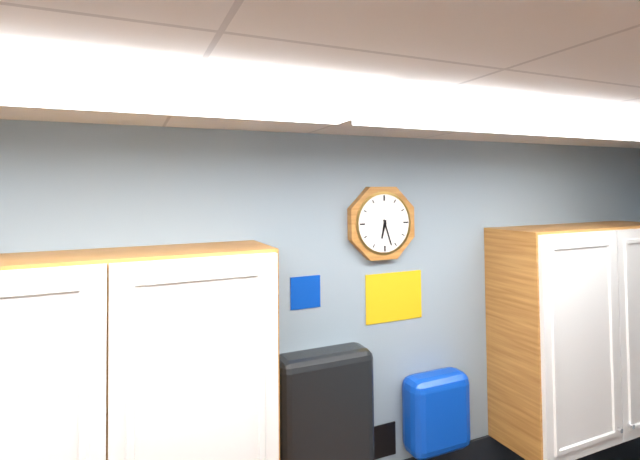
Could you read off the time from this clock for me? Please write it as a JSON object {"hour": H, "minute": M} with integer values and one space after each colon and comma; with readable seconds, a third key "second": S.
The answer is {"hour": 6, "minute": 27}
